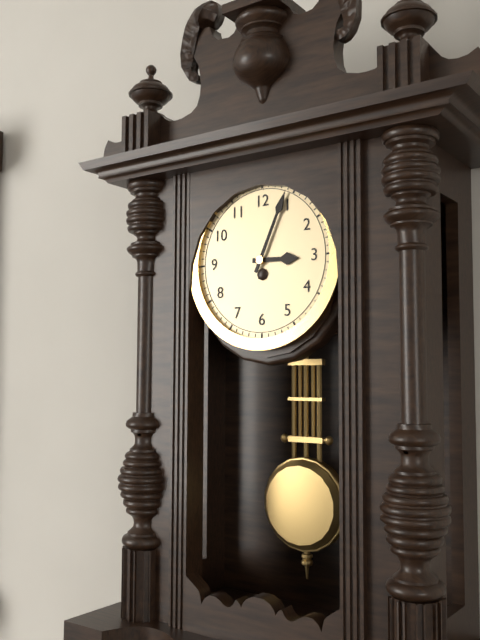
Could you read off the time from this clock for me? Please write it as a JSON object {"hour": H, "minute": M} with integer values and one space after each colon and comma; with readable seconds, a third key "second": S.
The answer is {"hour": 3, "minute": 4}
